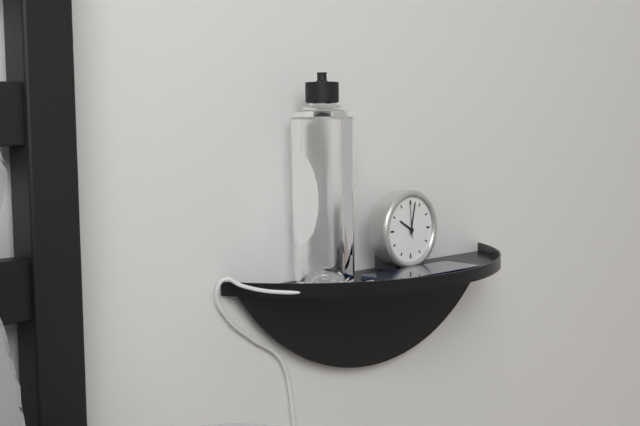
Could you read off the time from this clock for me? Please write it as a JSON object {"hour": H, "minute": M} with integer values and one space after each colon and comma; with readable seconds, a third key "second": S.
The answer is {"hour": 10, "minute": 2}
